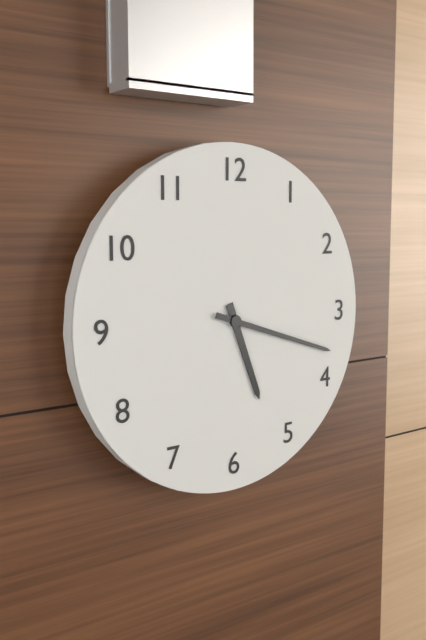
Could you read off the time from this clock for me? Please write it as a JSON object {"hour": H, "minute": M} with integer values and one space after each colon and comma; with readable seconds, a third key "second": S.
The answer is {"hour": 5, "minute": 18}
